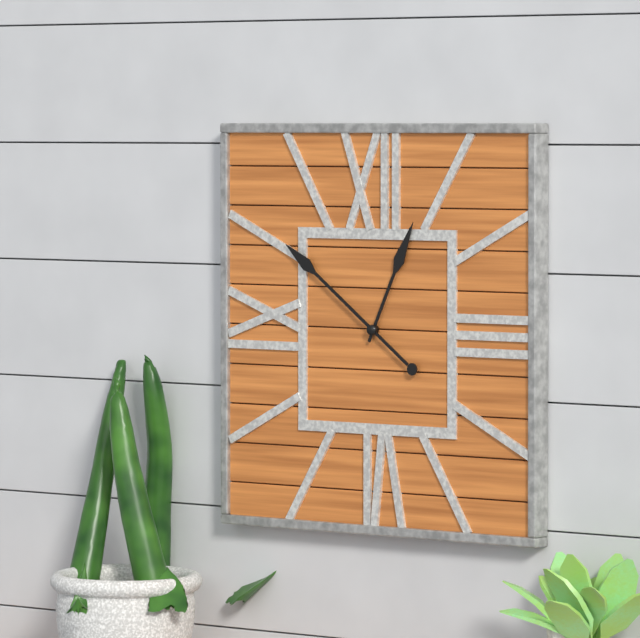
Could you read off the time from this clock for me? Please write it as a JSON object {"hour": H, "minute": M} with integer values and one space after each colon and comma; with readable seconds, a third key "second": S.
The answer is {"hour": 12, "minute": 51}
